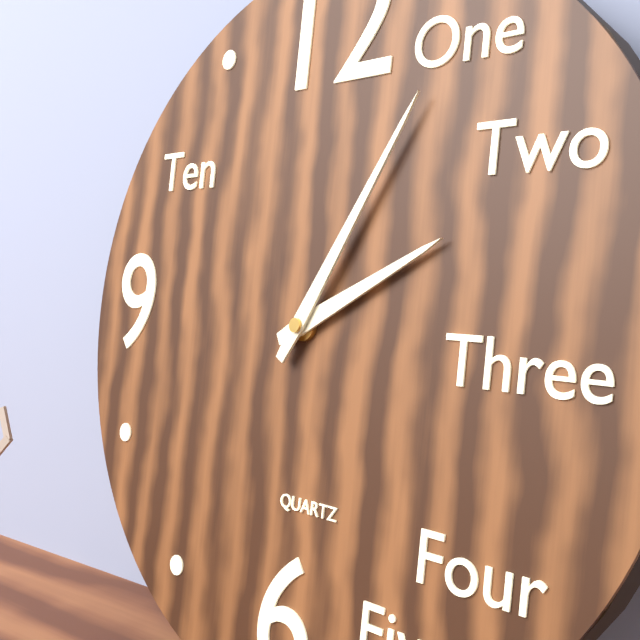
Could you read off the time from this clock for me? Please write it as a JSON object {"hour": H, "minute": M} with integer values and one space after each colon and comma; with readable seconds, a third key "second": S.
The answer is {"hour": 2, "minute": 5}
